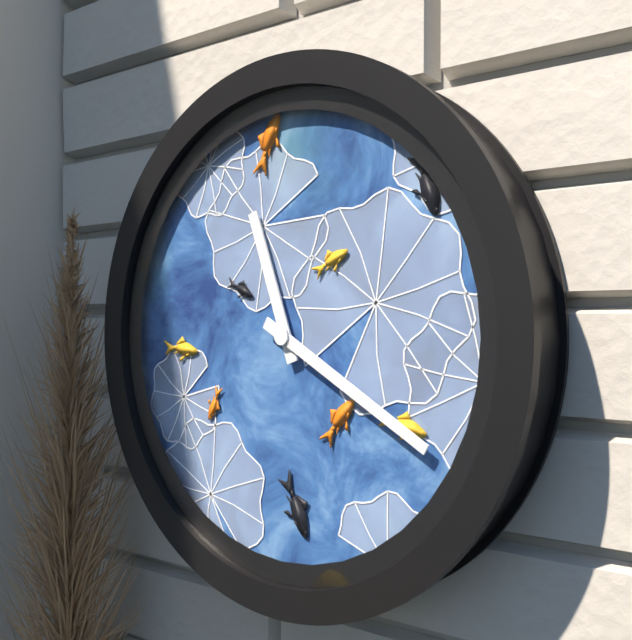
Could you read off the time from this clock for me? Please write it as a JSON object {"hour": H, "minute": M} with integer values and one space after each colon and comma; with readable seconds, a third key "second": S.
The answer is {"hour": 11, "minute": 20}
